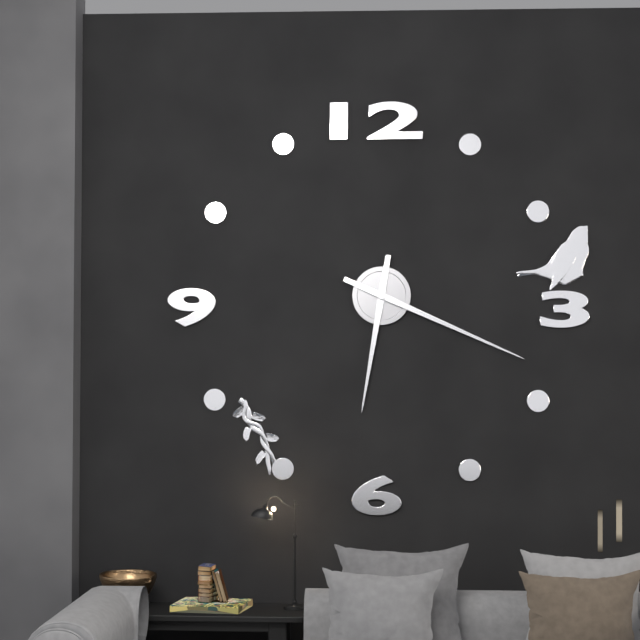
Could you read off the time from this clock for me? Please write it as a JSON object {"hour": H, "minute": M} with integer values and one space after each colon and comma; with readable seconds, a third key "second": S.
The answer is {"hour": 6, "minute": 19}
